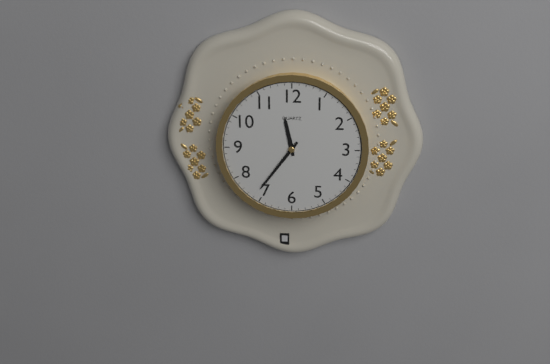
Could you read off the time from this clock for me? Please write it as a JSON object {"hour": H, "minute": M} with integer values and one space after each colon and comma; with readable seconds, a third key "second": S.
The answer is {"hour": 11, "minute": 36}
